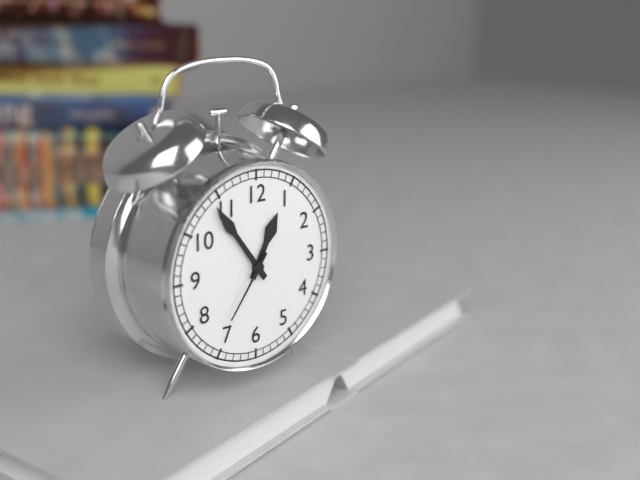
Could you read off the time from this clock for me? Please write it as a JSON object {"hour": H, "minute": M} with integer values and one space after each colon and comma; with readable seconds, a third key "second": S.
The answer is {"hour": 12, "minute": 54, "second": 36}
